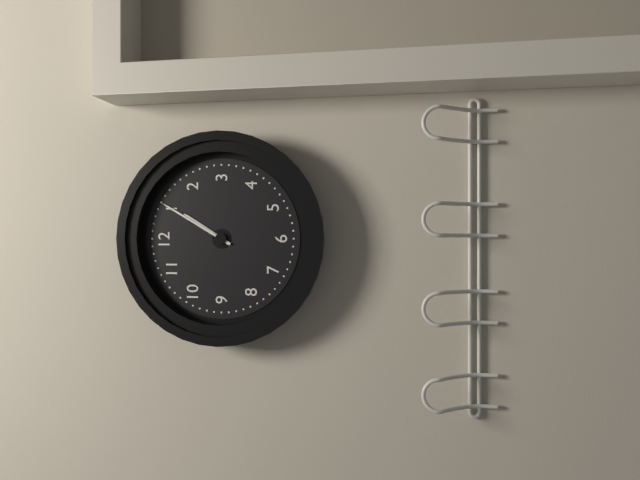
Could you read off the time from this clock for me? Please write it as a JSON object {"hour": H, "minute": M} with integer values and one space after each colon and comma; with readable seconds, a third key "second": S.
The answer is {"hour": 1, "minute": 5}
